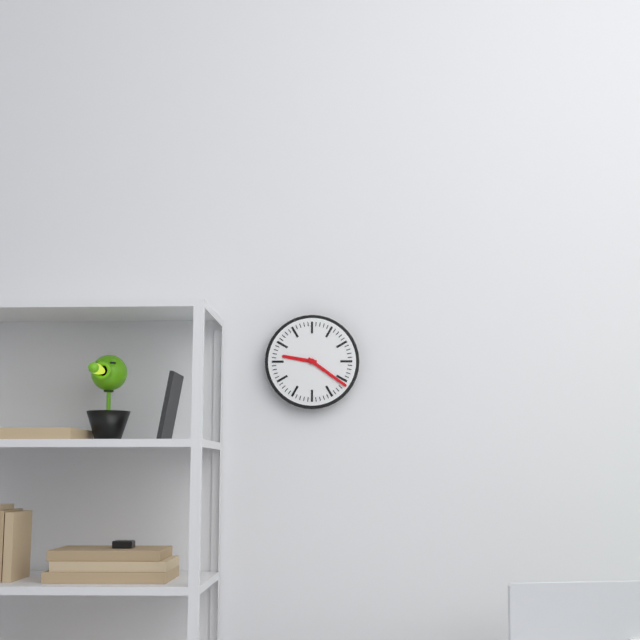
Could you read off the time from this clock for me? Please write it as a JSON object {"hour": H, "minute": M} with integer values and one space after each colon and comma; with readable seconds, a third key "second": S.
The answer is {"hour": 9, "minute": 21}
